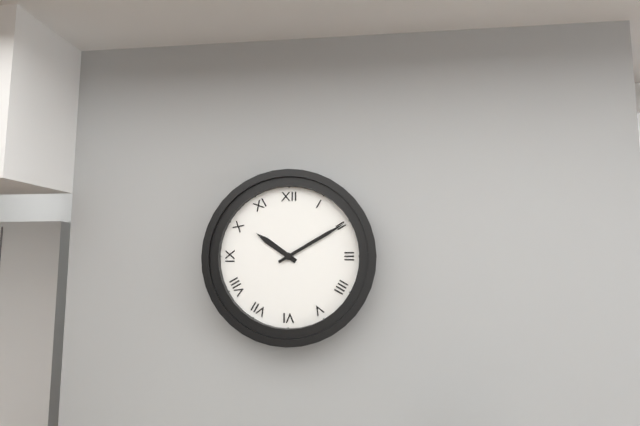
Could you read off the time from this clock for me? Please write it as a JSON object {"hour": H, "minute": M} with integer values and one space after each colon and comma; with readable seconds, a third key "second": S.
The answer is {"hour": 10, "minute": 10}
